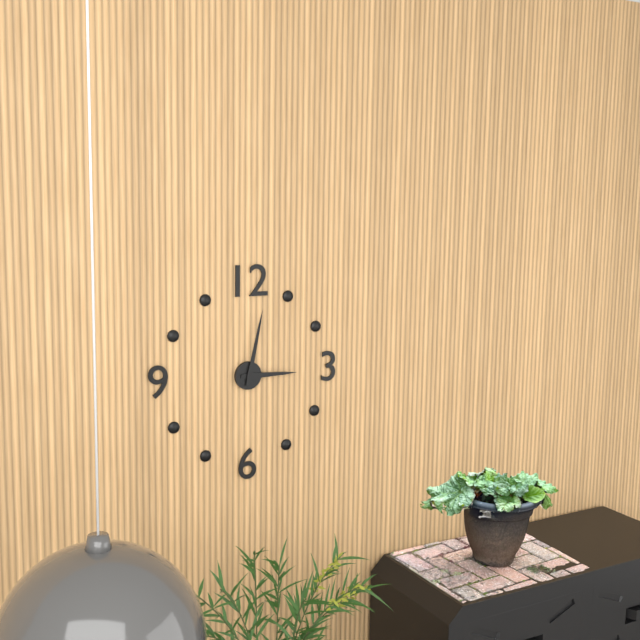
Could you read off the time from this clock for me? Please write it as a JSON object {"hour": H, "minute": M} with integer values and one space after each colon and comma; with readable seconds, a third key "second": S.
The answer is {"hour": 3, "minute": 2}
